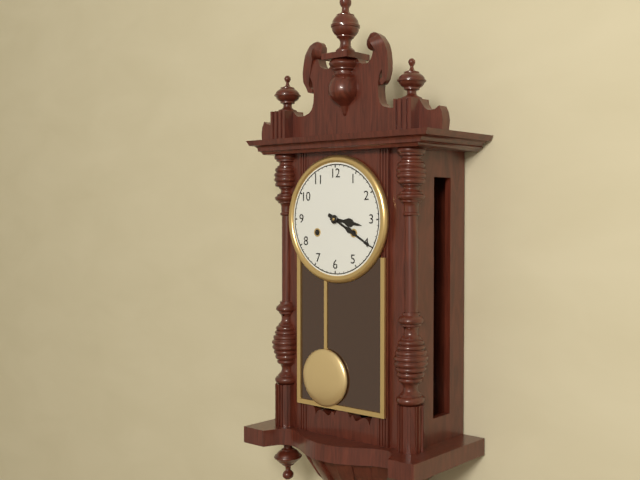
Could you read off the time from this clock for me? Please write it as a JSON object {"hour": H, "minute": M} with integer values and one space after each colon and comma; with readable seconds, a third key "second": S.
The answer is {"hour": 3, "minute": 20}
